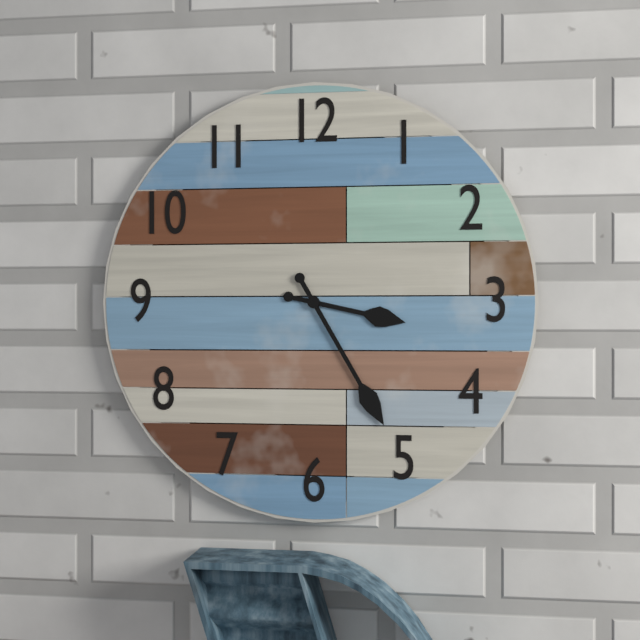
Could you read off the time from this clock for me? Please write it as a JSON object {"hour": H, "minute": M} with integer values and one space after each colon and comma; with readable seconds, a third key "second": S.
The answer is {"hour": 3, "minute": 25}
